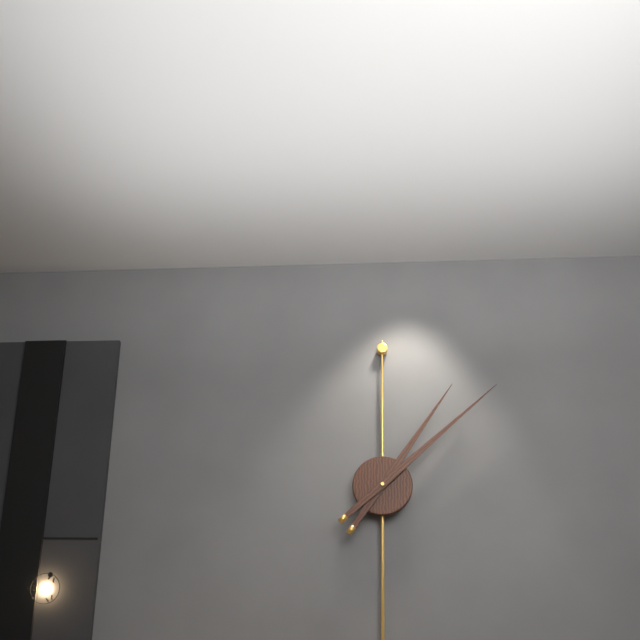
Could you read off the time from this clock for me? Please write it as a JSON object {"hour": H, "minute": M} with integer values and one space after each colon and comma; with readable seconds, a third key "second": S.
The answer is {"hour": 1, "minute": 8}
